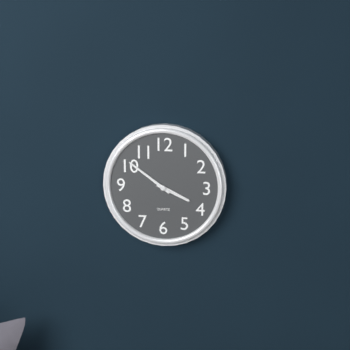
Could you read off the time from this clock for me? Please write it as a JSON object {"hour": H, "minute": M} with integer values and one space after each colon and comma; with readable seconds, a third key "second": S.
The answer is {"hour": 3, "minute": 51}
